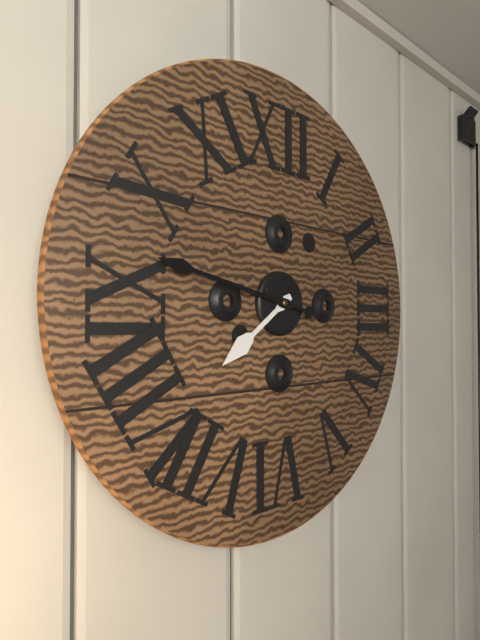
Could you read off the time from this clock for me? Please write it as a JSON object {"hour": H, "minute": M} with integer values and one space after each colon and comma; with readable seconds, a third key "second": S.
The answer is {"hour": 7, "minute": 47}
